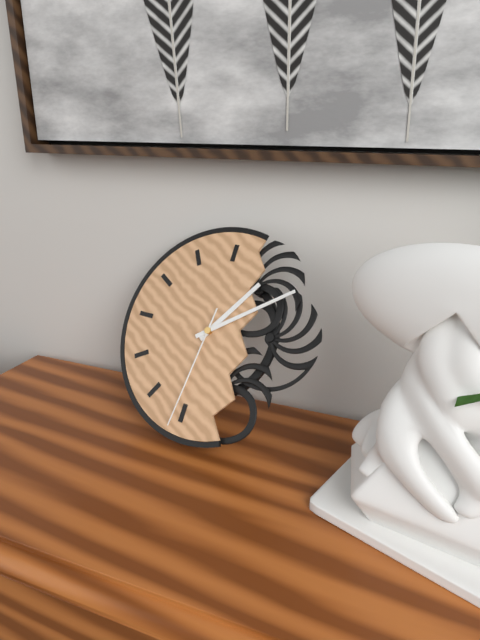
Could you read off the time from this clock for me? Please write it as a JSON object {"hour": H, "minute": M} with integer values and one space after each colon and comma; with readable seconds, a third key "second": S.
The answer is {"hour": 1, "minute": 9, "second": 31}
